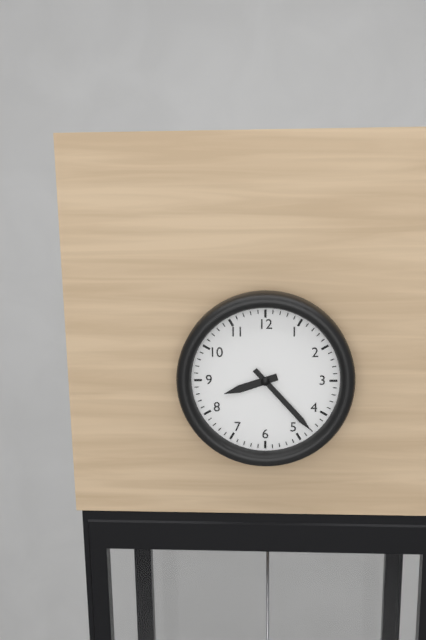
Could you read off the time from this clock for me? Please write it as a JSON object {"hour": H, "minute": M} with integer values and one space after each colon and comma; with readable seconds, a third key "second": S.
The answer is {"hour": 8, "minute": 23}
